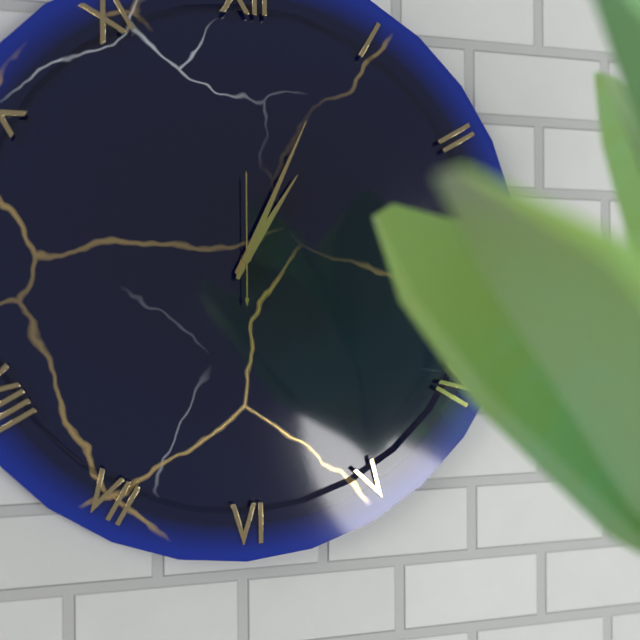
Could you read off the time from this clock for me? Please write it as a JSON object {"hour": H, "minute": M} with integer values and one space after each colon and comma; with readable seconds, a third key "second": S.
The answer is {"hour": 1, "minute": 4, "second": 0}
